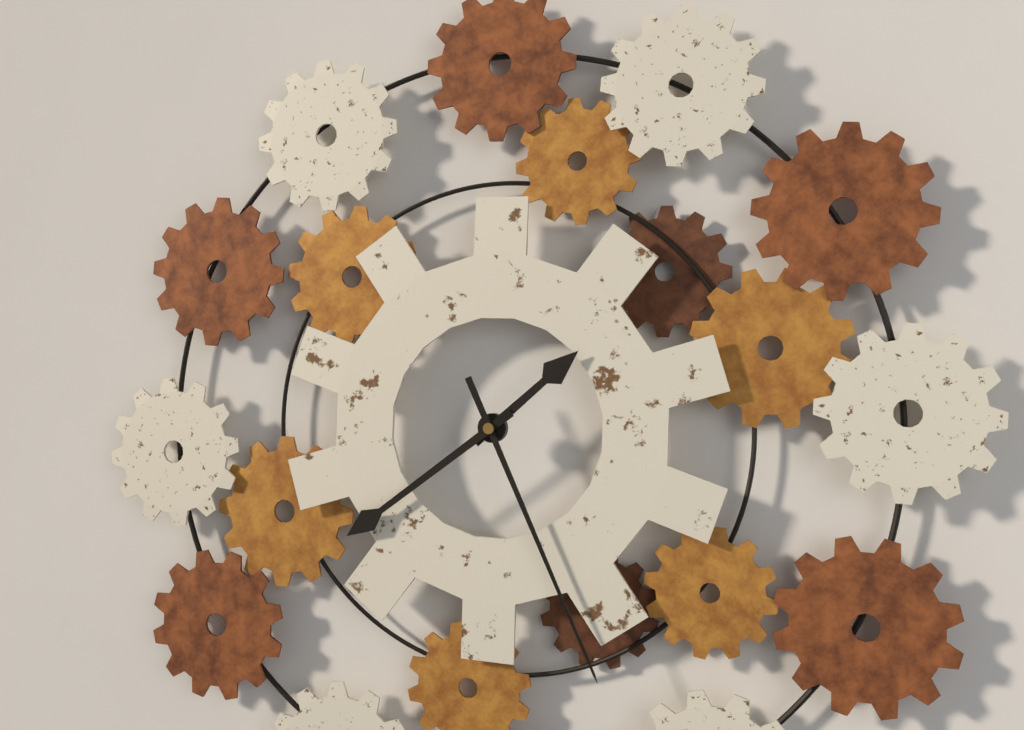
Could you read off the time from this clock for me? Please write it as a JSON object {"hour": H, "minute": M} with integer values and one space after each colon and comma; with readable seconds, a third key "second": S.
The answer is {"hour": 1, "minute": 39, "second": 26}
